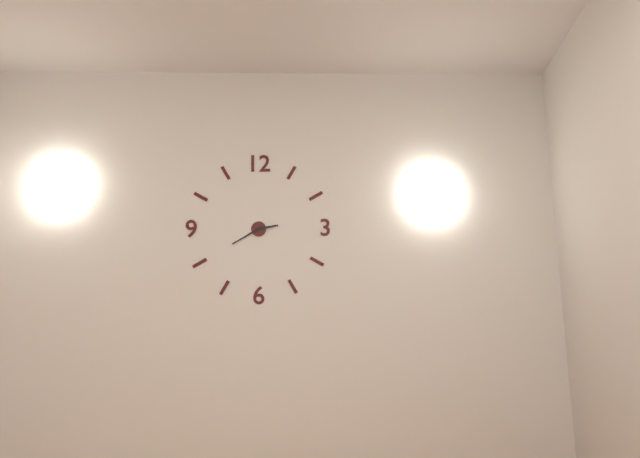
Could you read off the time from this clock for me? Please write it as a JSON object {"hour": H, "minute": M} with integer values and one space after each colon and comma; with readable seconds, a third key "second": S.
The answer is {"hour": 2, "minute": 40}
